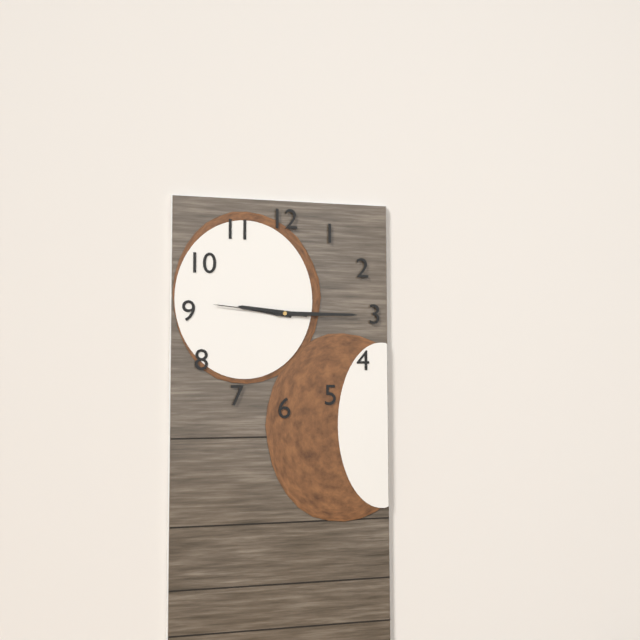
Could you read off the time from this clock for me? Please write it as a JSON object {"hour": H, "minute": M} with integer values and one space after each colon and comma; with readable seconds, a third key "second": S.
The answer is {"hour": 9, "minute": 15, "second": 46}
